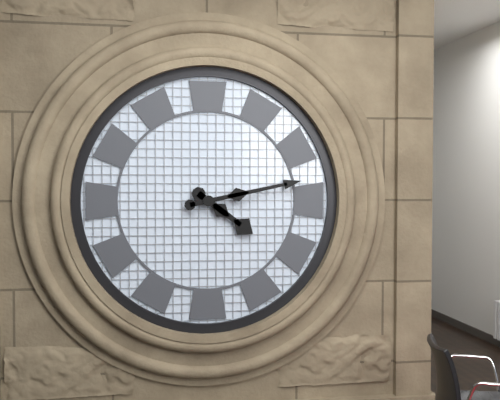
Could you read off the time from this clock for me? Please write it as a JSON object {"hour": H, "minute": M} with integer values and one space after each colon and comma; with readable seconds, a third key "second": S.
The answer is {"hour": 4, "minute": 13}
